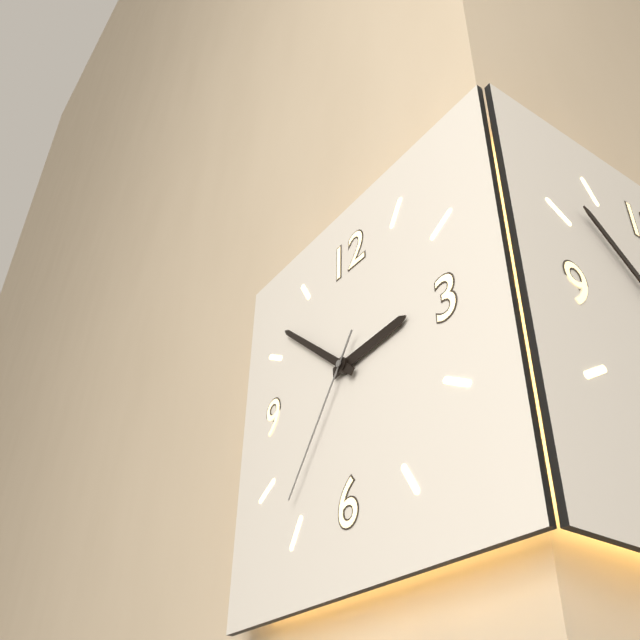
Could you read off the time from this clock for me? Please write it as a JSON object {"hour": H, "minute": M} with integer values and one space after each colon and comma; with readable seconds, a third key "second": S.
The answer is {"hour": 2, "minute": 52, "second": 36}
